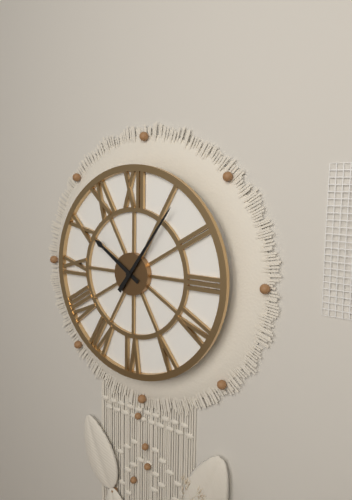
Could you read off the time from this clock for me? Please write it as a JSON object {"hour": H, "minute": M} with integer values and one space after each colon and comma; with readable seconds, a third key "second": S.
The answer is {"hour": 10, "minute": 6}
